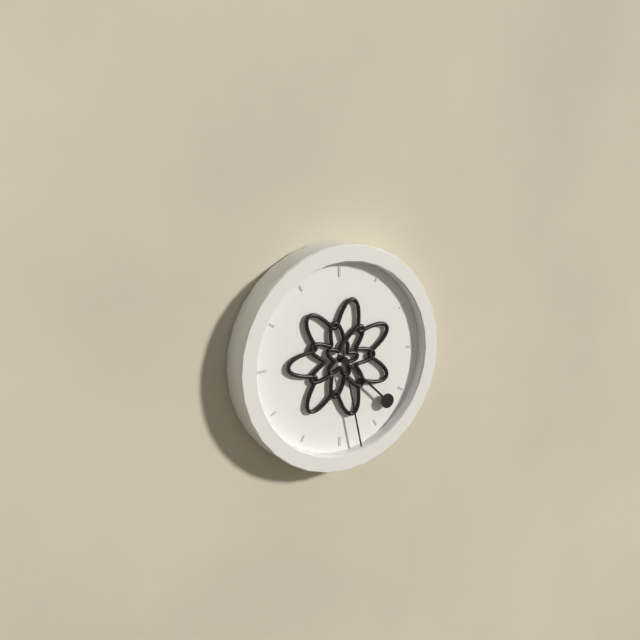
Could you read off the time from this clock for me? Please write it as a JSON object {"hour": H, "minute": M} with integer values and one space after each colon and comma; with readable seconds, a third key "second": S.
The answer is {"hour": 4, "minute": 28}
